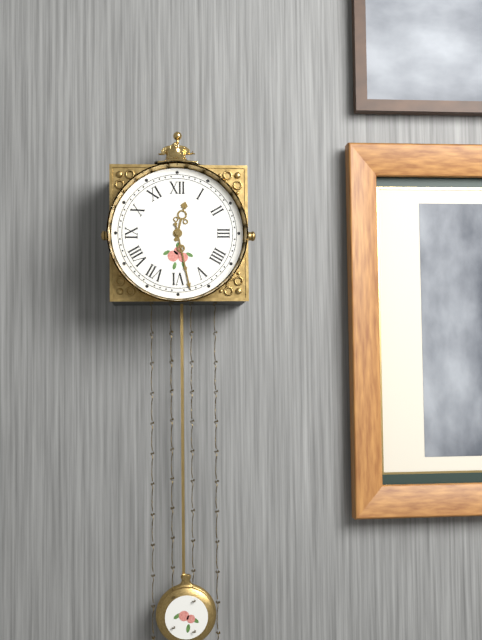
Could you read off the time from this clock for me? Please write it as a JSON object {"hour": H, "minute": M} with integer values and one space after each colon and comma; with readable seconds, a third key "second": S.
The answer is {"hour": 12, "minute": 28}
